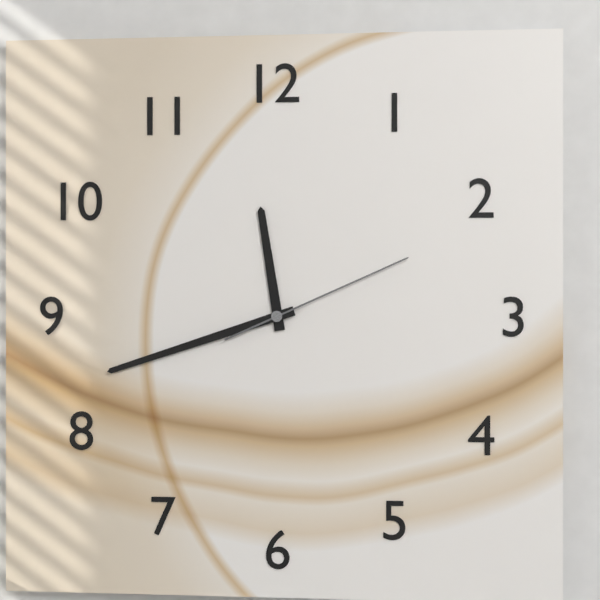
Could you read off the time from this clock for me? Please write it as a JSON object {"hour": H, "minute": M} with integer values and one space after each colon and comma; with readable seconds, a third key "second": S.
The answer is {"hour": 11, "minute": 42, "second": 11}
